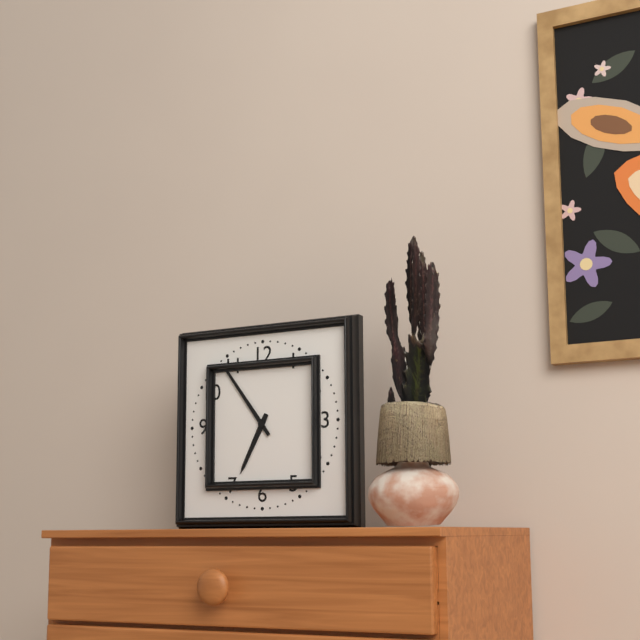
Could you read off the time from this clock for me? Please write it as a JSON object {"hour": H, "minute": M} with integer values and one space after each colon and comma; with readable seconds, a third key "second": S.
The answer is {"hour": 6, "minute": 54}
